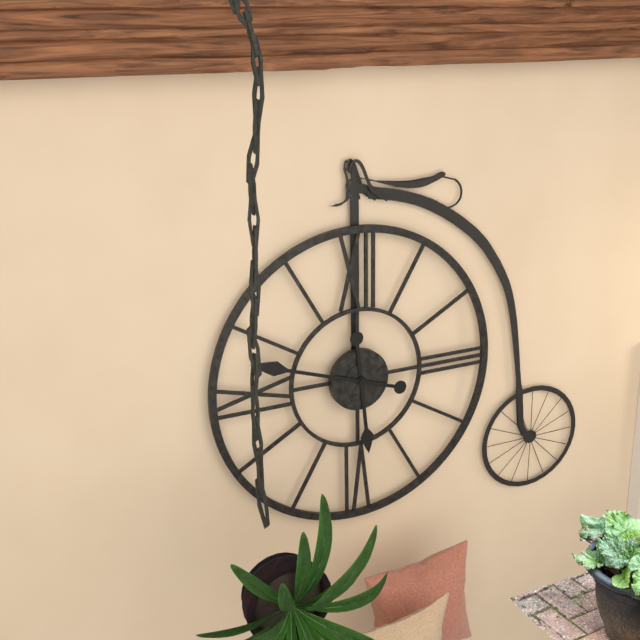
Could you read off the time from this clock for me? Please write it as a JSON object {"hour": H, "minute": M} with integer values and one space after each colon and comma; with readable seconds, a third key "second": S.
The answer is {"hour": 5, "minute": 48}
